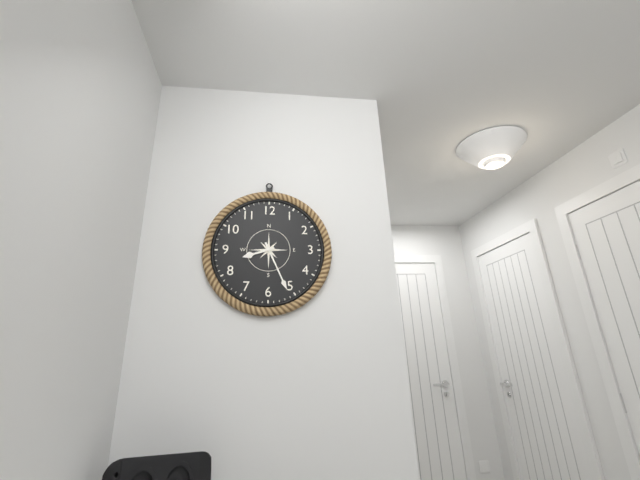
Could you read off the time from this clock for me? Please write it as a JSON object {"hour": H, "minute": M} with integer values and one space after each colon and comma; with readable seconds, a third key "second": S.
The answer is {"hour": 8, "minute": 26}
